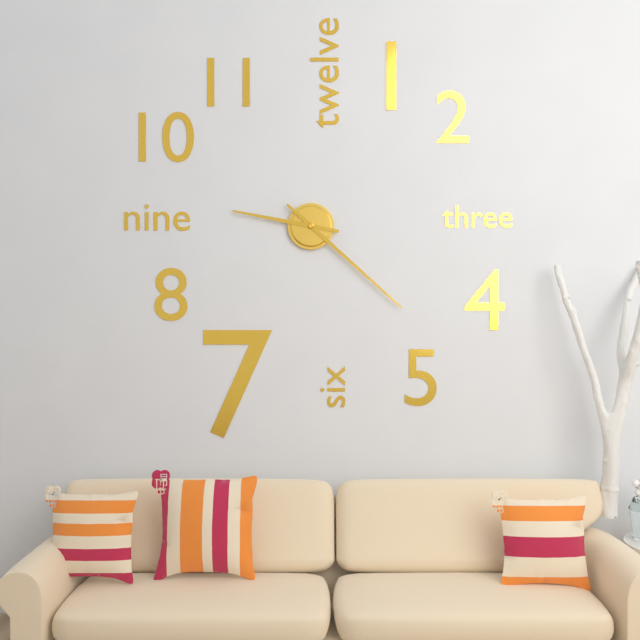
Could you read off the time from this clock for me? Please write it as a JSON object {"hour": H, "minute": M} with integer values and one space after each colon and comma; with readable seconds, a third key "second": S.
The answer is {"hour": 9, "minute": 22}
